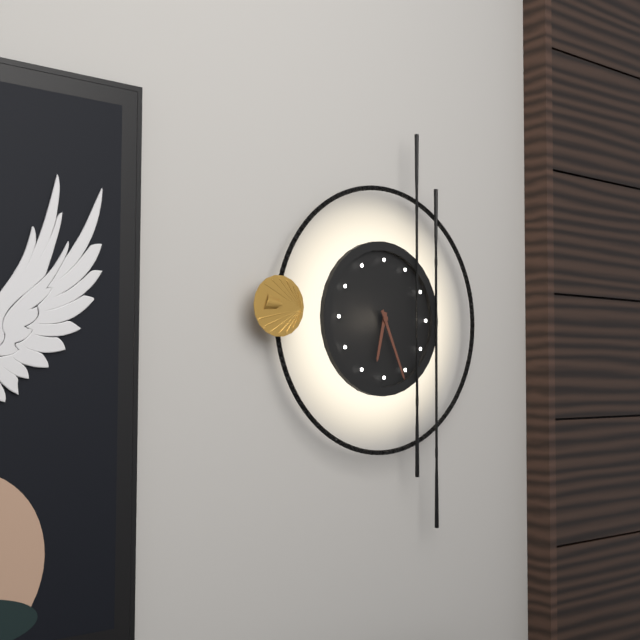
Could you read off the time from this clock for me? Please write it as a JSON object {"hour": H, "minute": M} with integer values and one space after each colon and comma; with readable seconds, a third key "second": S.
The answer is {"hour": 6, "minute": 26}
